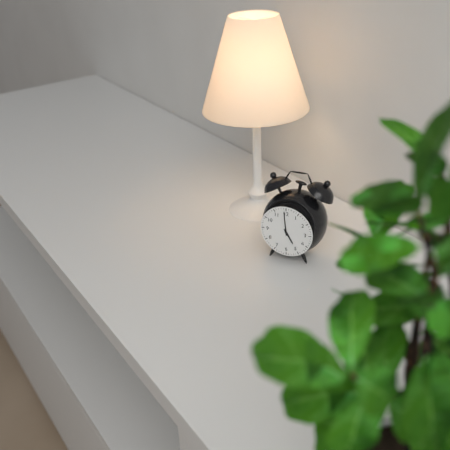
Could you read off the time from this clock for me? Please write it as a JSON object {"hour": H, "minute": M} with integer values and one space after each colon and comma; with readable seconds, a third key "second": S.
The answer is {"hour": 4, "minute": 59}
